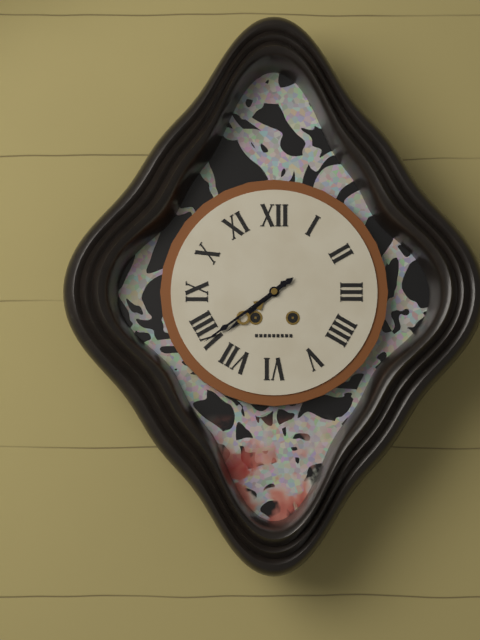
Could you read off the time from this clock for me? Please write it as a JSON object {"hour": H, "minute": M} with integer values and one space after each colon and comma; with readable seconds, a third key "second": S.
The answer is {"hour": 7, "minute": 39}
